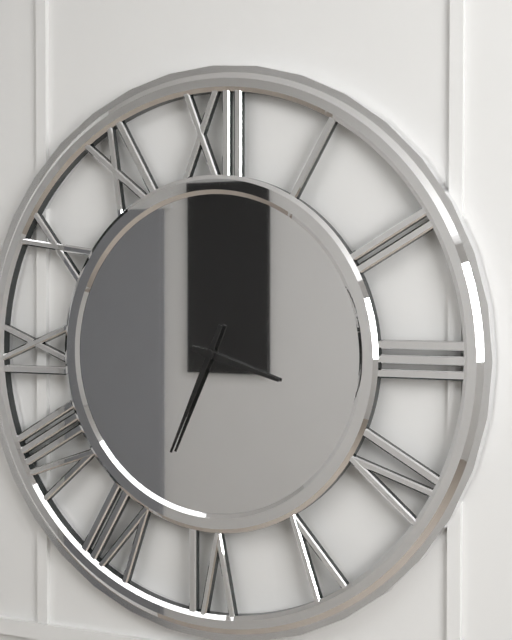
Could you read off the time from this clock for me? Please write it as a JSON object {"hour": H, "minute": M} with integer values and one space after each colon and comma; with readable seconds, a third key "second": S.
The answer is {"hour": 3, "minute": 34}
